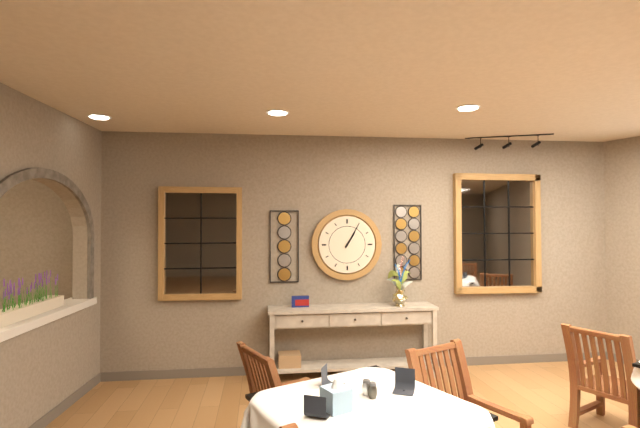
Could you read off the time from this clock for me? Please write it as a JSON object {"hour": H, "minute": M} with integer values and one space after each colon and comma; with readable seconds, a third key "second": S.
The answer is {"hour": 1, "minute": 5}
